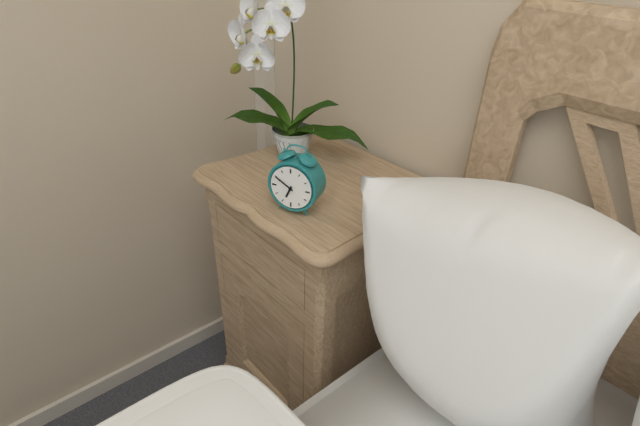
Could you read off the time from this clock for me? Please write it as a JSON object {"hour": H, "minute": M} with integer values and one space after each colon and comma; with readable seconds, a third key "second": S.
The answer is {"hour": 6, "minute": 50}
